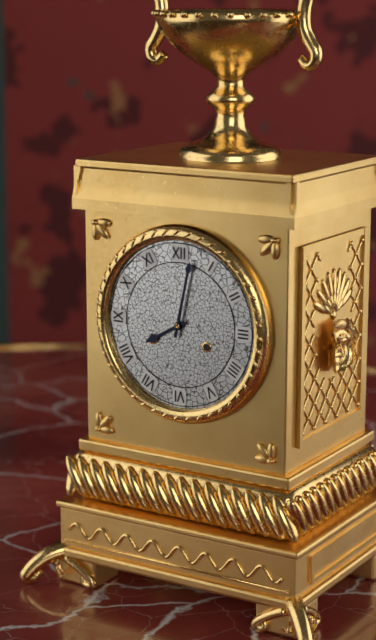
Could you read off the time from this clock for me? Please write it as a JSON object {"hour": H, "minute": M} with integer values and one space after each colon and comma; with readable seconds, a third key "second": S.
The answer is {"hour": 8, "minute": 2}
